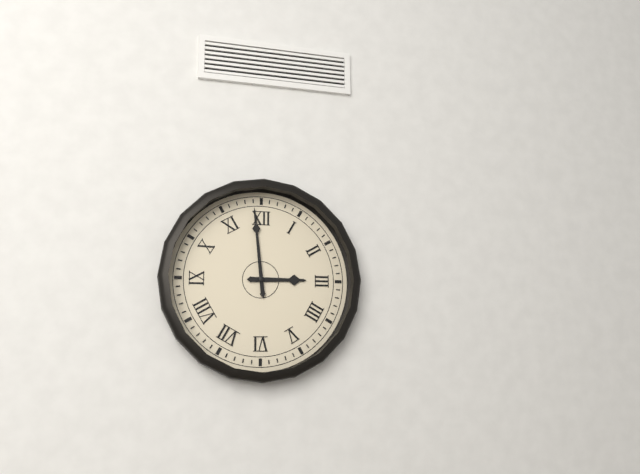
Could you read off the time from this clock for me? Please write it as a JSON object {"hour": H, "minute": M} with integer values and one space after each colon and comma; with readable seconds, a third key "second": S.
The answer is {"hour": 2, "minute": 59}
